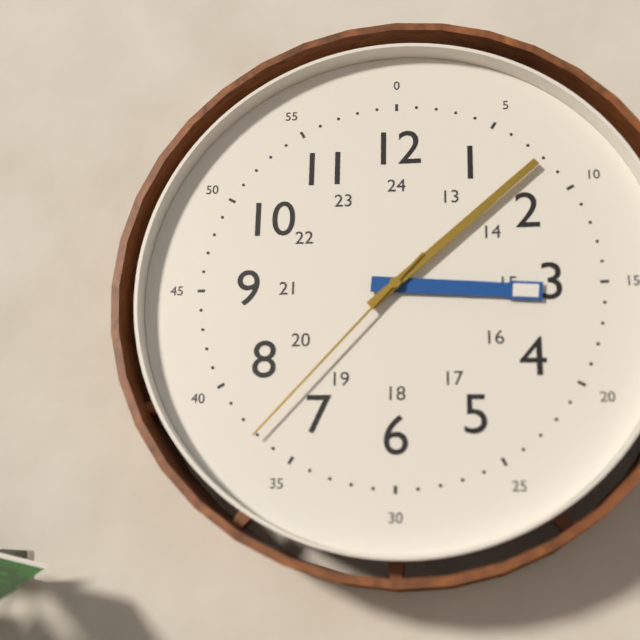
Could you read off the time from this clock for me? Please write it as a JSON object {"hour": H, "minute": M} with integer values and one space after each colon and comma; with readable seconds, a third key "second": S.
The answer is {"hour": 3, "minute": 8, "second": 37}
